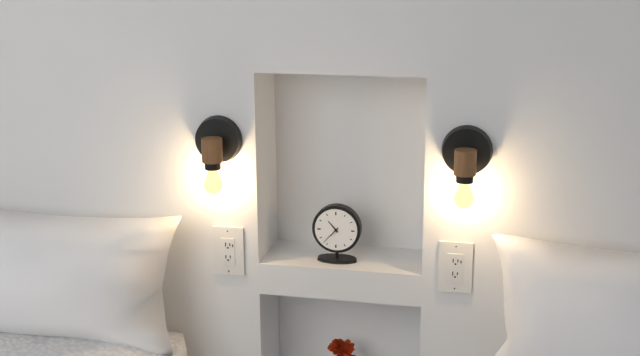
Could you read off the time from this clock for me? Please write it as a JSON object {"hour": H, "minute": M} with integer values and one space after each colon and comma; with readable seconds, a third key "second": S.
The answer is {"hour": 10, "minute": 37}
